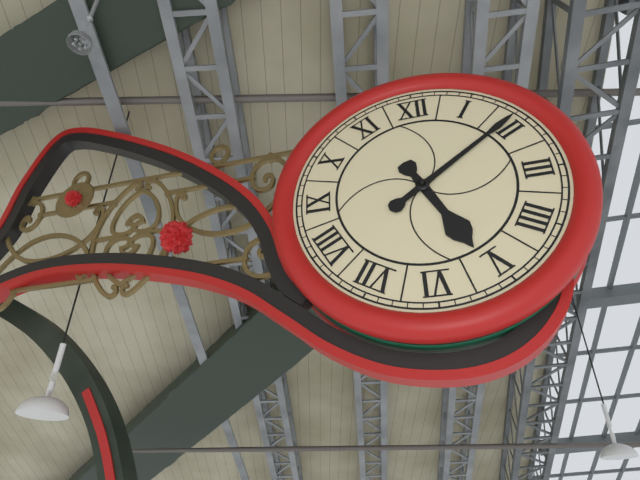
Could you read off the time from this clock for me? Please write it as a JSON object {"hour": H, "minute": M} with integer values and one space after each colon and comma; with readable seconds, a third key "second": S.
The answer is {"hour": 5, "minute": 9}
